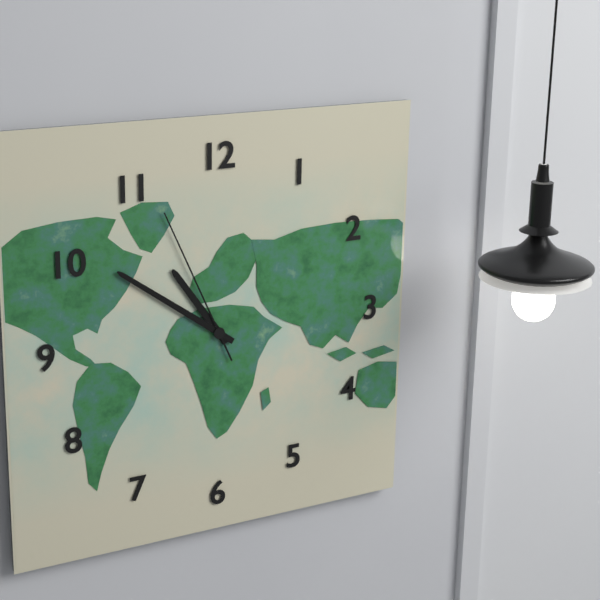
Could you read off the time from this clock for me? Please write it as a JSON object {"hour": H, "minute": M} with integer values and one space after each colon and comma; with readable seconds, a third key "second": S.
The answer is {"hour": 10, "minute": 51, "second": 56}
